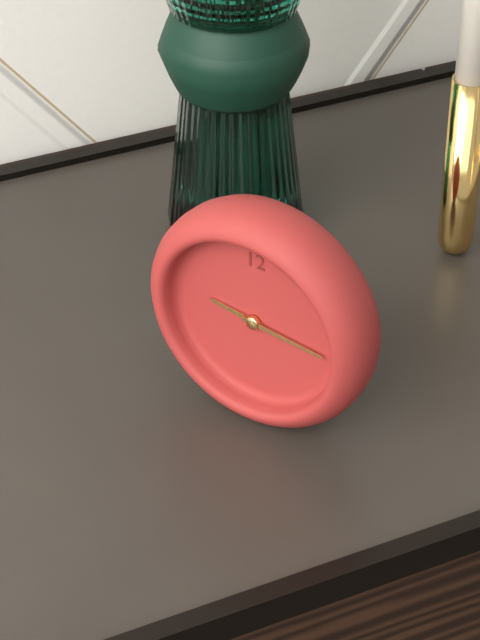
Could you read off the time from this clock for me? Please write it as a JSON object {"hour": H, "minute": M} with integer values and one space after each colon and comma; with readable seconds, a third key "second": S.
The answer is {"hour": 9, "minute": 16}
